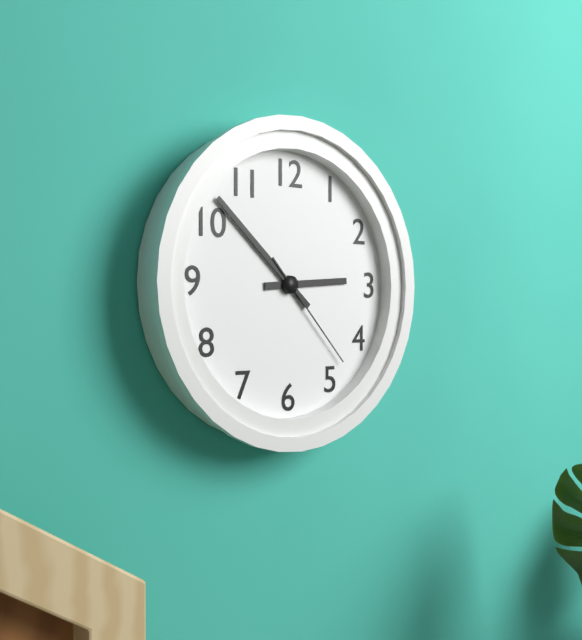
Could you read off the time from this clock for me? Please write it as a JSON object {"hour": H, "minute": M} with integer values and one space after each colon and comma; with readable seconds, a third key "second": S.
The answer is {"hour": 2, "minute": 52, "second": 23}
